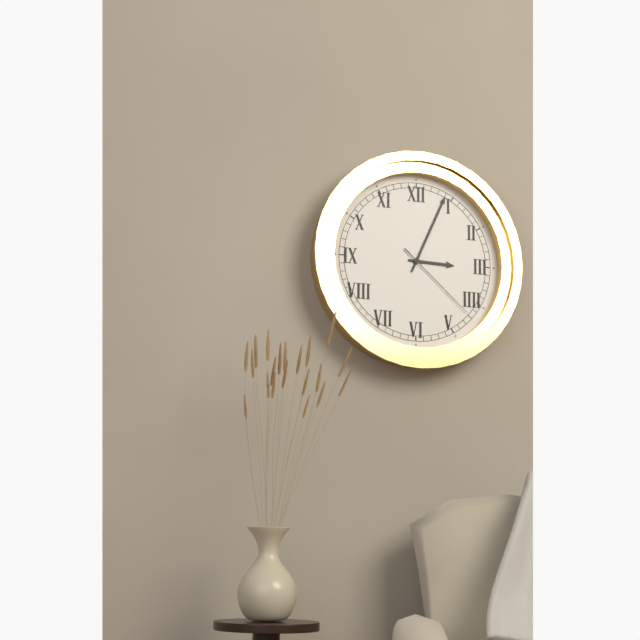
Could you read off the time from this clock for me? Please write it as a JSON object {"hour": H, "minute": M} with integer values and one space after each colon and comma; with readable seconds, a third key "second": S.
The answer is {"hour": 3, "minute": 4, "second": 22}
